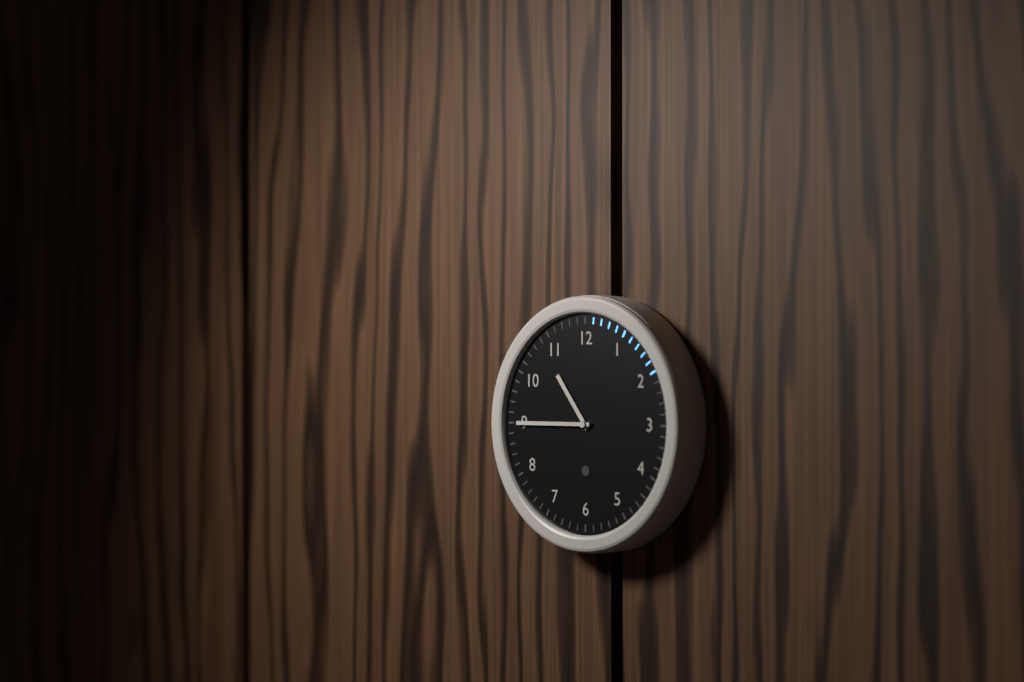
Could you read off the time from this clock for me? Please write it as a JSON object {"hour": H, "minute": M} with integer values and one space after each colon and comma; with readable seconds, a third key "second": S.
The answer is {"hour": 10, "minute": 45}
